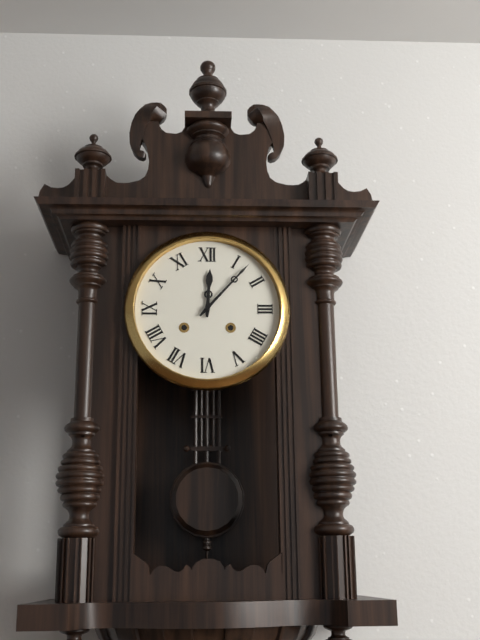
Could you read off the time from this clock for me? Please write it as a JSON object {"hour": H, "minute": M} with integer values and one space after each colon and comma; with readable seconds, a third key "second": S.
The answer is {"hour": 12, "minute": 7}
